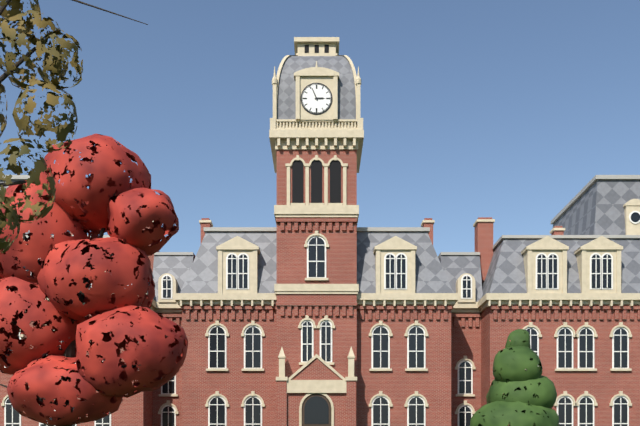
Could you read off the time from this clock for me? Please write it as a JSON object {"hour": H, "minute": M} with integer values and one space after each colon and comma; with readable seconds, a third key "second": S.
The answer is {"hour": 2, "minute": 56}
